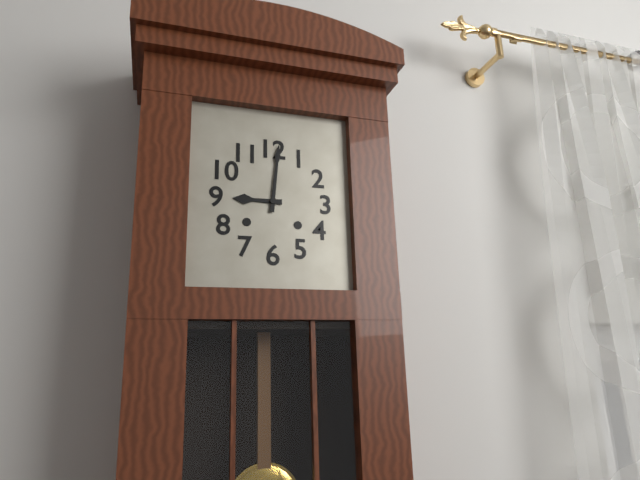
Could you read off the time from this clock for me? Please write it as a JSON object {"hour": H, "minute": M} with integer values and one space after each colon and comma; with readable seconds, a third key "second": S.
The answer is {"hour": 9, "minute": 1}
